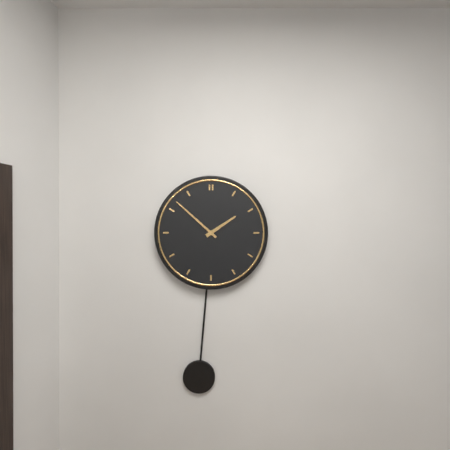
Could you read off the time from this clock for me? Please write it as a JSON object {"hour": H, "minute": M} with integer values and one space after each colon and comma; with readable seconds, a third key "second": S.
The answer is {"hour": 1, "minute": 52}
